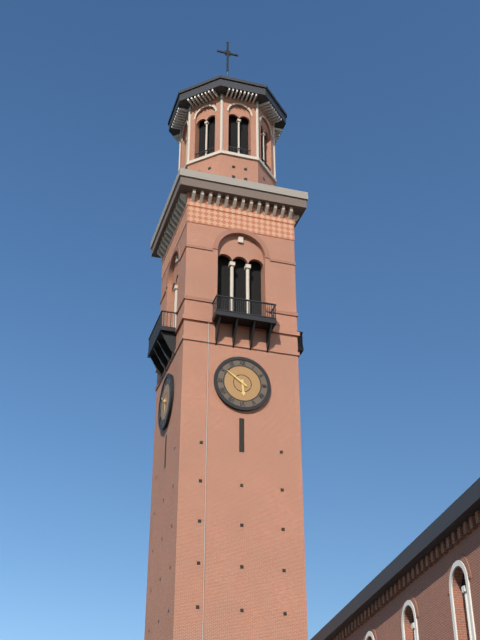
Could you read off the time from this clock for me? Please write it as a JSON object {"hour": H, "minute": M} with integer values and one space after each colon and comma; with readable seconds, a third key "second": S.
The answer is {"hour": 5, "minute": 51}
